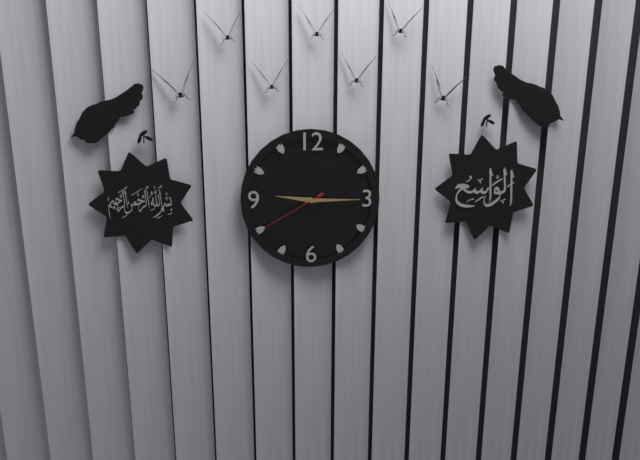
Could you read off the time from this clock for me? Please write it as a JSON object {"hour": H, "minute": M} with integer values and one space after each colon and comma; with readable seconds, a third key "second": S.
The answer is {"hour": 9, "minute": 15, "second": 40}
